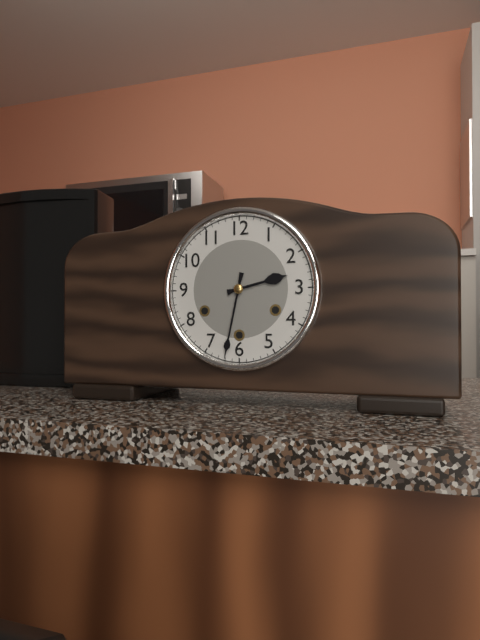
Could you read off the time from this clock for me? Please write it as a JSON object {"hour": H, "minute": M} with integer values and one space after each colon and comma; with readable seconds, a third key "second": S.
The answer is {"hour": 2, "minute": 32}
